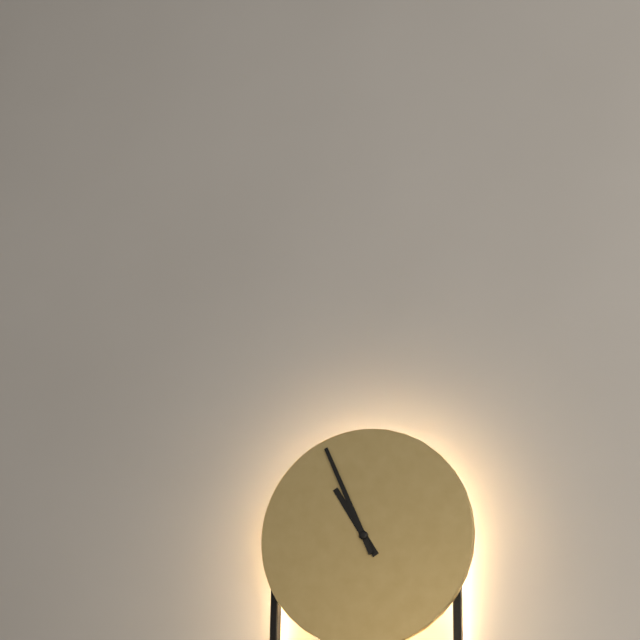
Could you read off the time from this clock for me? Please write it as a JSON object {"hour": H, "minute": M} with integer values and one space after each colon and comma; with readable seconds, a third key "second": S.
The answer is {"hour": 10, "minute": 56}
